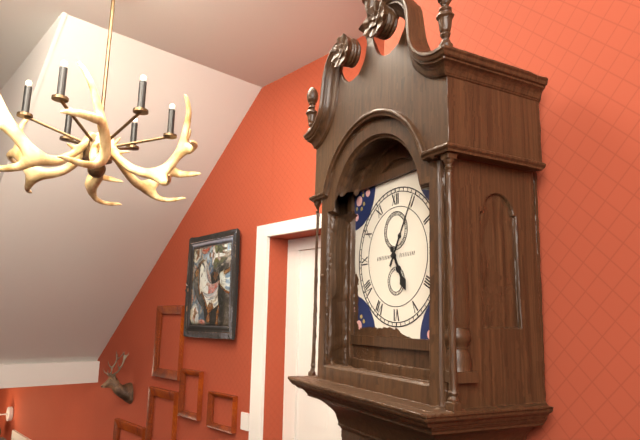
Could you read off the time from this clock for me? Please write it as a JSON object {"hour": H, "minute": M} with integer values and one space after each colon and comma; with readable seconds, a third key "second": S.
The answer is {"hour": 5, "minute": 5}
